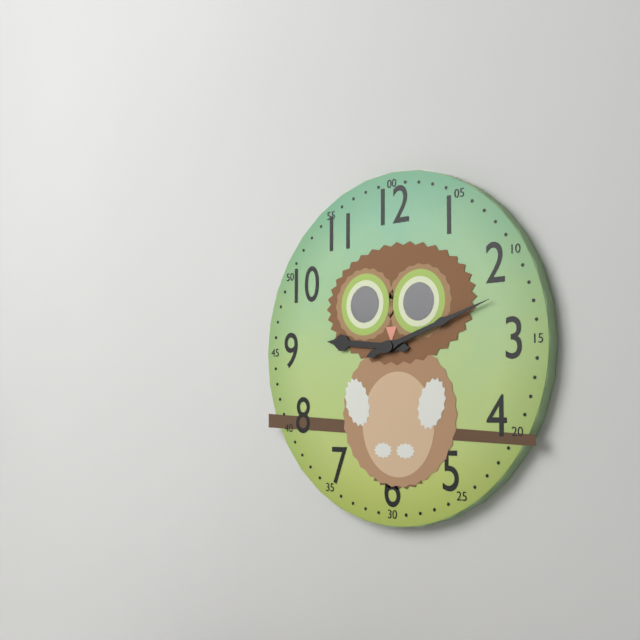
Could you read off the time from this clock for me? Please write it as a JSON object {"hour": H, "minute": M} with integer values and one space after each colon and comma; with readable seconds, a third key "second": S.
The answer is {"hour": 9, "minute": 12}
